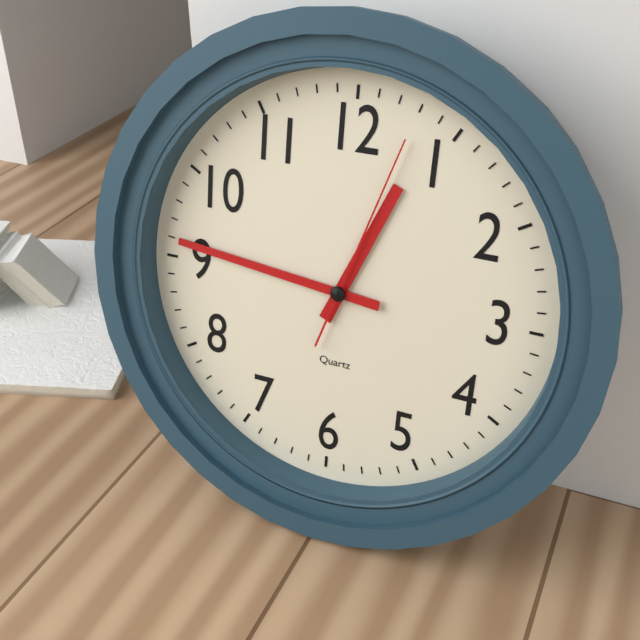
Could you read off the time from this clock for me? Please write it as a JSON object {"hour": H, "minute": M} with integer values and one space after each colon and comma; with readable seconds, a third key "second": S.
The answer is {"hour": 12, "minute": 46, "second": 3}
